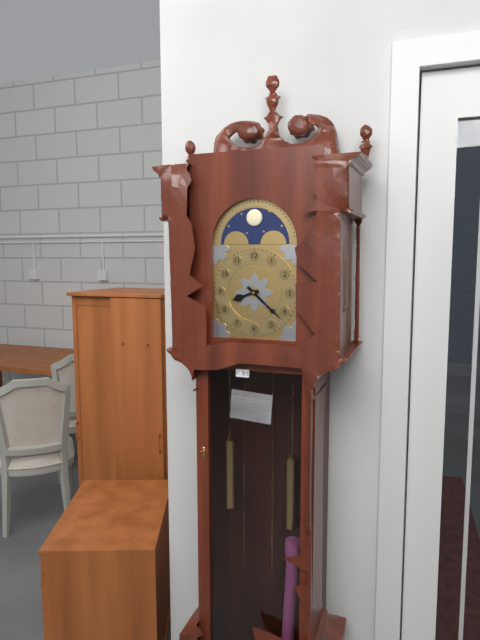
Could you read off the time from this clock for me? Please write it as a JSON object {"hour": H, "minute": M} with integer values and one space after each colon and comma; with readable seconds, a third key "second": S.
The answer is {"hour": 8, "minute": 22}
